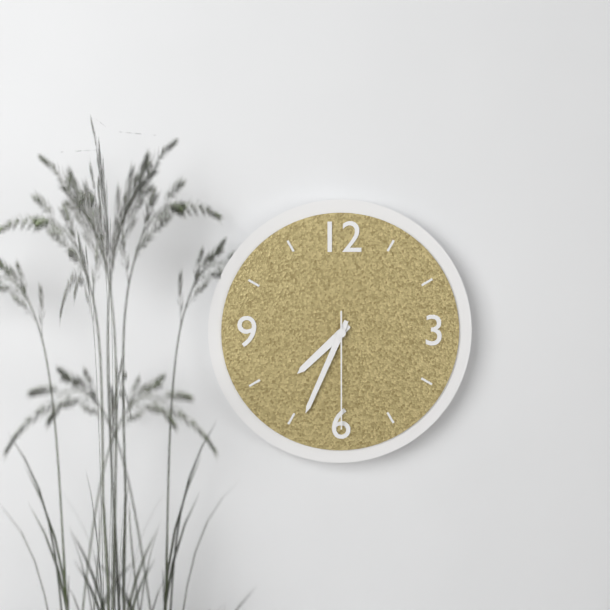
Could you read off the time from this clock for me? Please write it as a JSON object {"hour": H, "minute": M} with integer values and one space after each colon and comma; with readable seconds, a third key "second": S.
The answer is {"hour": 7, "minute": 34, "second": 30}
